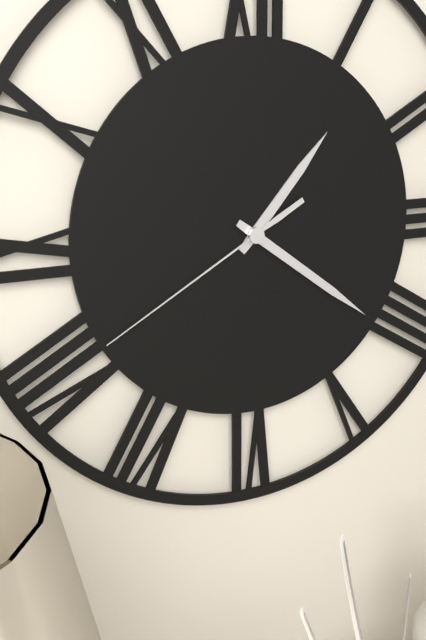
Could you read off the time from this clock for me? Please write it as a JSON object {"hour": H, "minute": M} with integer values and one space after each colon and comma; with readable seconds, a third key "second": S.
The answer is {"hour": 1, "minute": 21, "second": 40}
